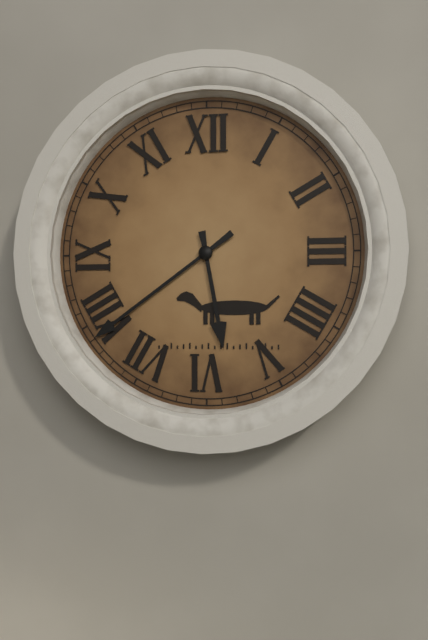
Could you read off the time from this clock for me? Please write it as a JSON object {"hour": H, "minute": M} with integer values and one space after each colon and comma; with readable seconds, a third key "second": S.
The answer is {"hour": 5, "minute": 39}
